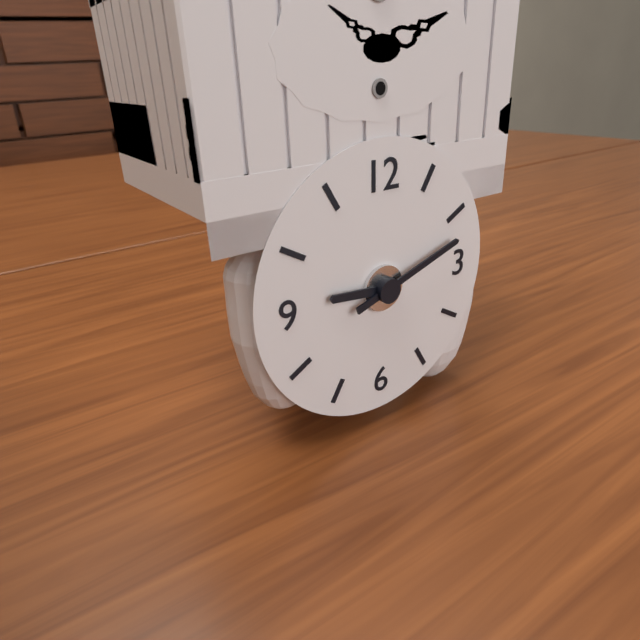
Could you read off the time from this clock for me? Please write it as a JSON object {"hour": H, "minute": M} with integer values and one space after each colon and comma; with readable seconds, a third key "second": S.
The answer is {"hour": 9, "minute": 12}
